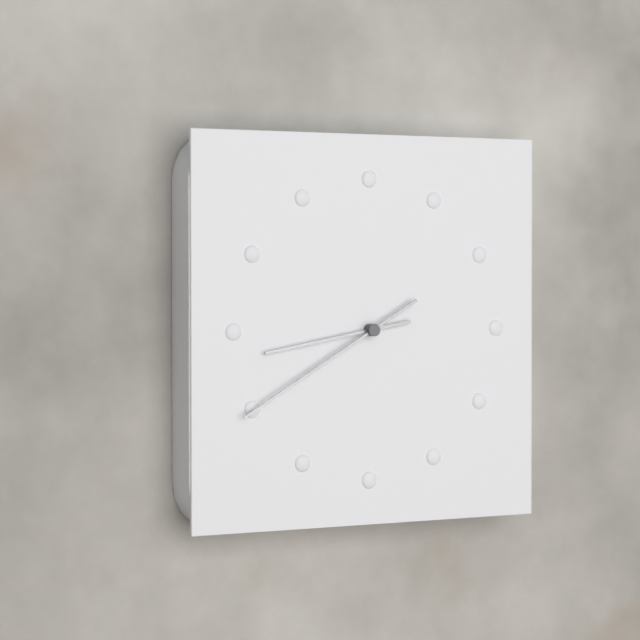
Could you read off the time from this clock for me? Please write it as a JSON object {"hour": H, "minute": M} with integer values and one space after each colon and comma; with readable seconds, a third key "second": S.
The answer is {"hour": 8, "minute": 40}
